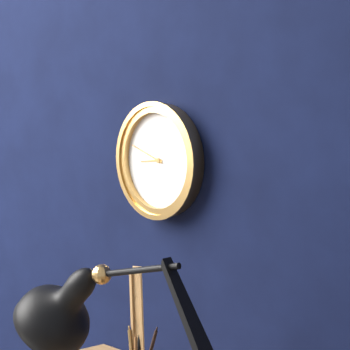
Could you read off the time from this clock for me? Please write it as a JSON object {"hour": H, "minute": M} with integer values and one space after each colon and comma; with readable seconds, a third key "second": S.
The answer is {"hour": 8, "minute": 48}
